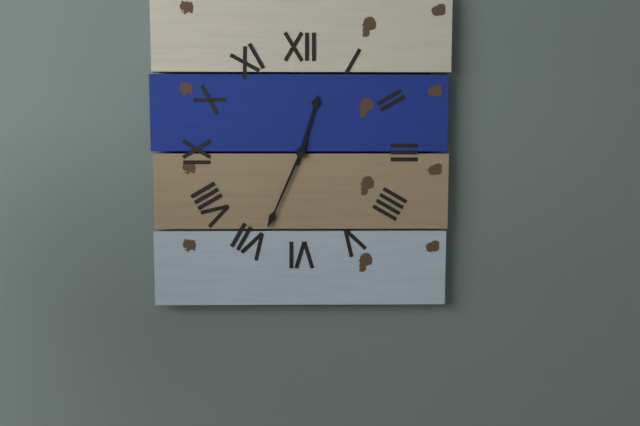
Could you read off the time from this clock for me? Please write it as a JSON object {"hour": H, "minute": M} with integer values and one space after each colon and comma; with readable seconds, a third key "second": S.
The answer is {"hour": 12, "minute": 34}
